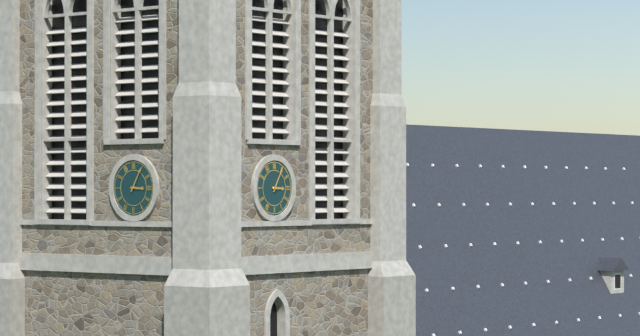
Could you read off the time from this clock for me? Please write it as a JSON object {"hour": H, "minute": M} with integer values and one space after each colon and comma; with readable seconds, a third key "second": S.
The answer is {"hour": 3, "minute": 5}
